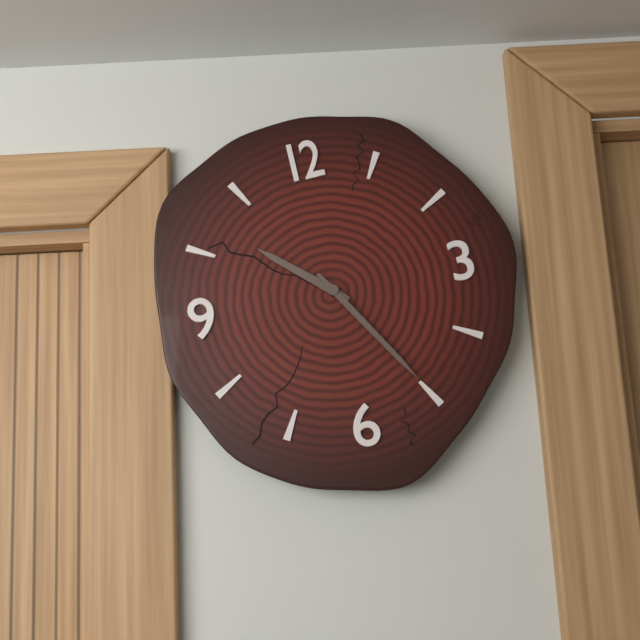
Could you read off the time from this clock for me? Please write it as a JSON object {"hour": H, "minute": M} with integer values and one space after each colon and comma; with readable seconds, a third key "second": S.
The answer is {"hour": 10, "minute": 25}
